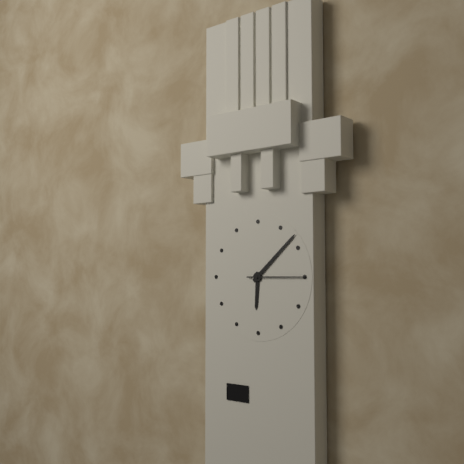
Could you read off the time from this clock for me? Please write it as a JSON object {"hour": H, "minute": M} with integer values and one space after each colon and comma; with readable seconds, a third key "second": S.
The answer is {"hour": 6, "minute": 8, "second": 15}
